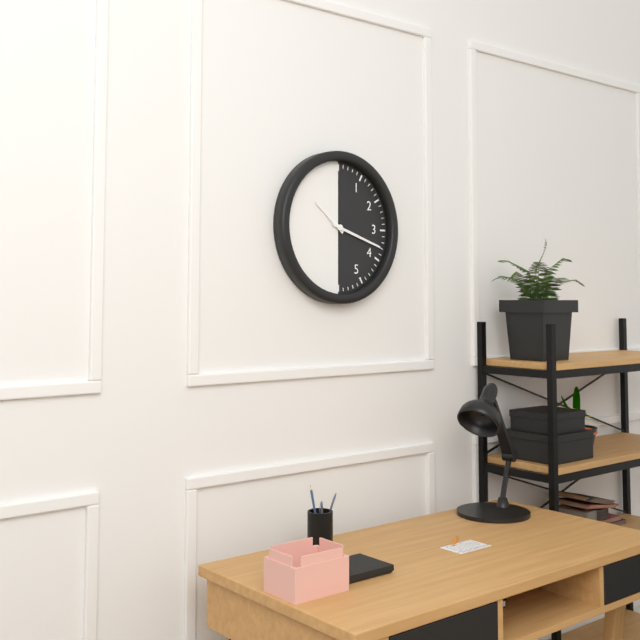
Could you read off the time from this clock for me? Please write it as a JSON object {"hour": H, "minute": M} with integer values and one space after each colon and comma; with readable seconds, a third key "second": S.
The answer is {"hour": 10, "minute": 18}
